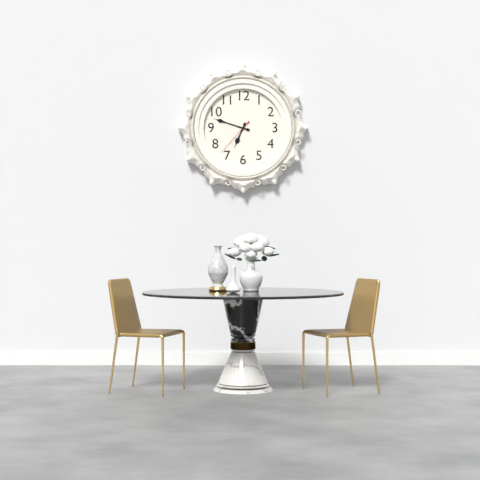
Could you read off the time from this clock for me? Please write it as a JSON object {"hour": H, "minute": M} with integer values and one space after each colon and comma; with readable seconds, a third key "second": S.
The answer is {"hour": 6, "minute": 48}
